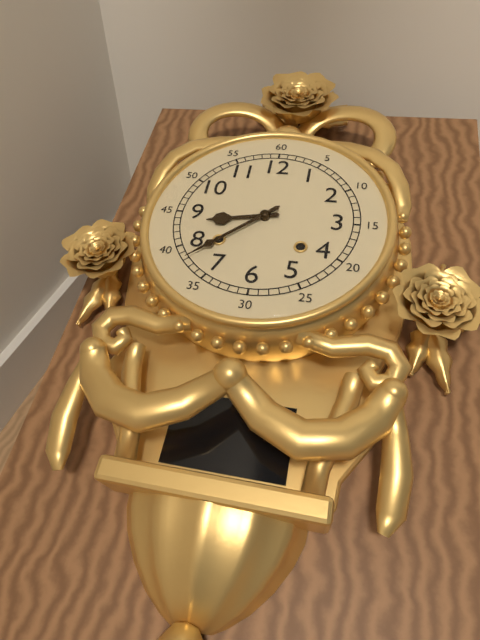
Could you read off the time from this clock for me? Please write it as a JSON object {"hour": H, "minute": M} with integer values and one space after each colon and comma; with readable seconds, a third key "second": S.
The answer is {"hour": 8, "minute": 38}
